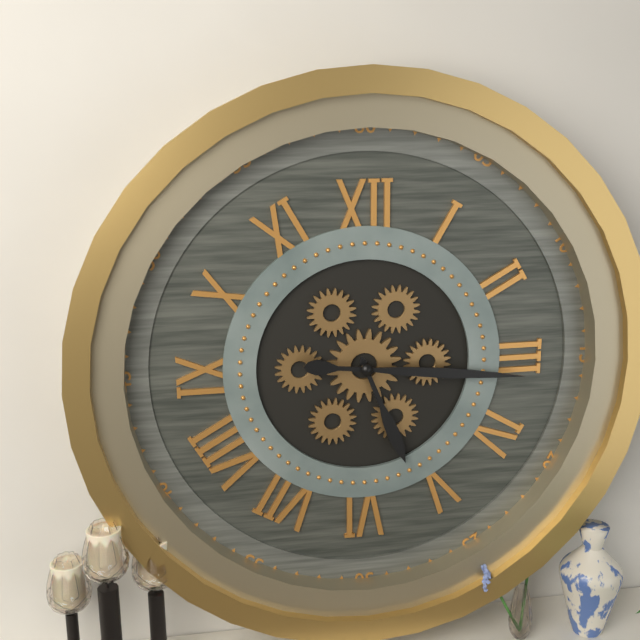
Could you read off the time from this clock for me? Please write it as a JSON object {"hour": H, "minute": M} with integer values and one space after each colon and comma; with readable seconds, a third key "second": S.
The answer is {"hour": 5, "minute": 16}
